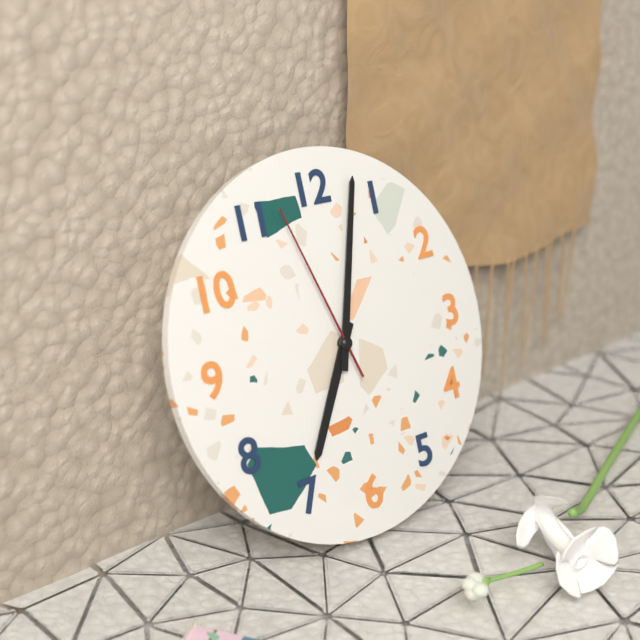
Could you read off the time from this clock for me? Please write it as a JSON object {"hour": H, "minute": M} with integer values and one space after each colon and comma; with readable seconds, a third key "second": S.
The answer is {"hour": 7, "minute": 3, "second": 57}
